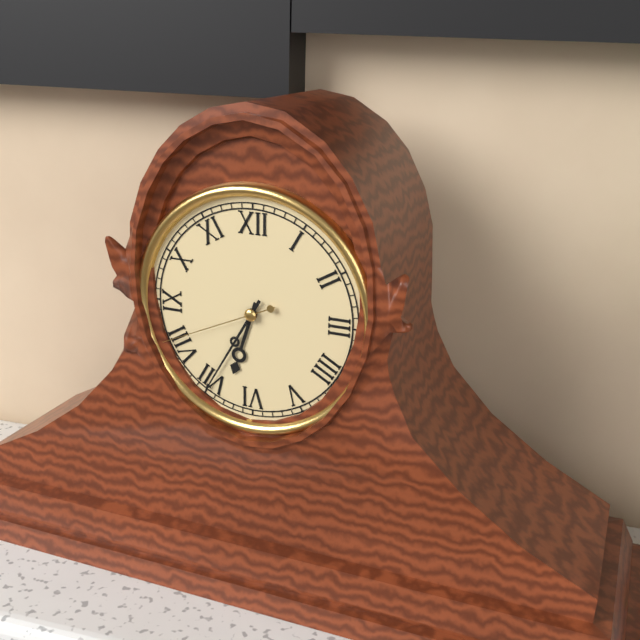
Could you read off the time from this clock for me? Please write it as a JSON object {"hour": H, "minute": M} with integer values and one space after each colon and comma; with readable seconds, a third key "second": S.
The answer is {"hour": 6, "minute": 35, "second": 41}
